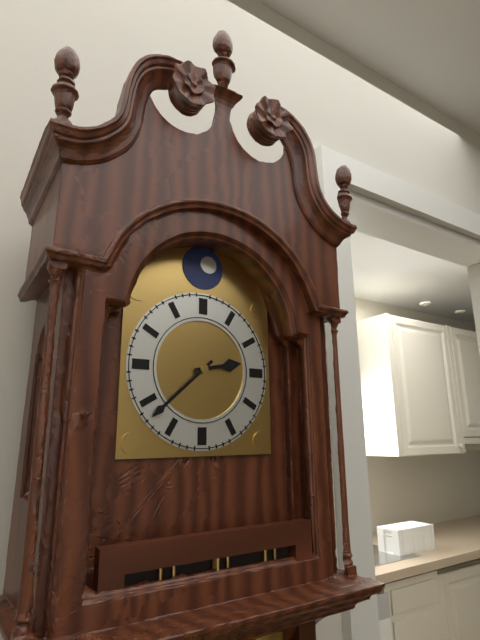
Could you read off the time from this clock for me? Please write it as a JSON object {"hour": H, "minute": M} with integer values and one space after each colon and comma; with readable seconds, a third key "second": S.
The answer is {"hour": 2, "minute": 38}
